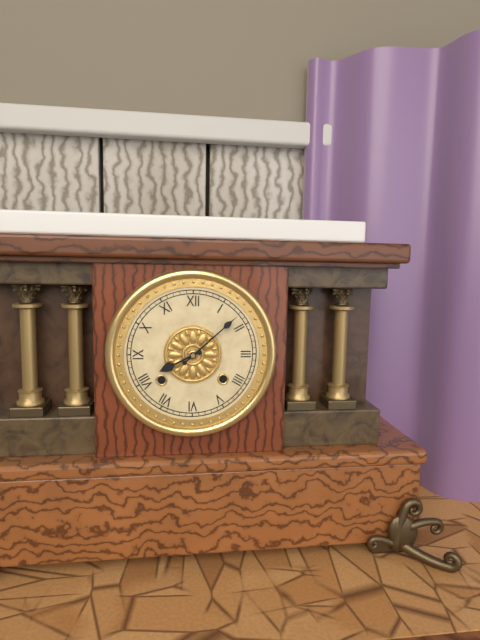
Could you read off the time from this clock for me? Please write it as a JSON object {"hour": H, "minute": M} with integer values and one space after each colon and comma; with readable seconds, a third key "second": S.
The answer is {"hour": 8, "minute": 8}
